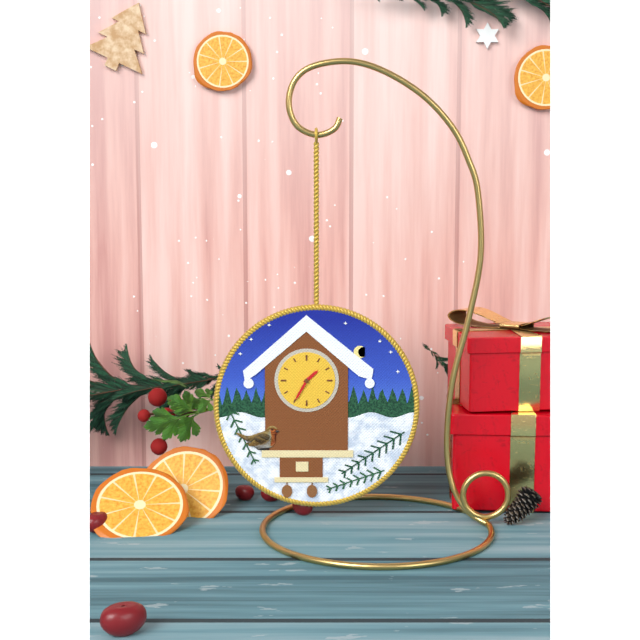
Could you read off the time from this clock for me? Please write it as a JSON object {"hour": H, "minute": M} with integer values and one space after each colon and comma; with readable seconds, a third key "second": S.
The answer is {"hour": 1, "minute": 35}
